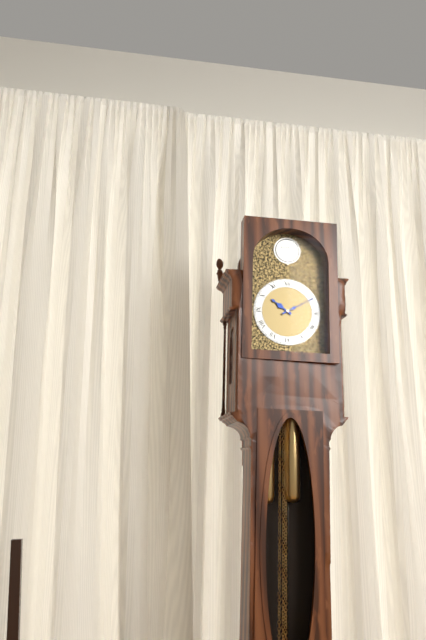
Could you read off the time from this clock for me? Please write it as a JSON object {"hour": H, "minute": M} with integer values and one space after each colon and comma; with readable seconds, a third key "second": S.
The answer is {"hour": 10, "minute": 10}
